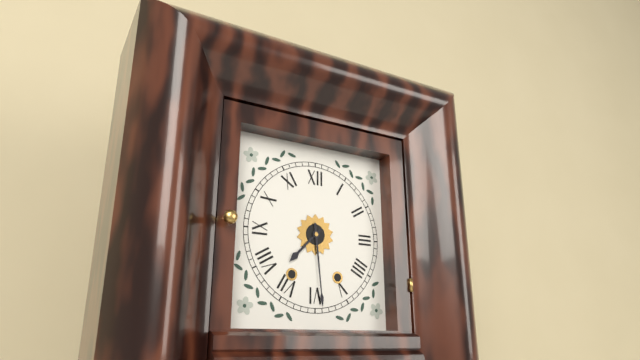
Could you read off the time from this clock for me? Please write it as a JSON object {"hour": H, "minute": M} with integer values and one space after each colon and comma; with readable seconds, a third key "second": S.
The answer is {"hour": 7, "minute": 29}
